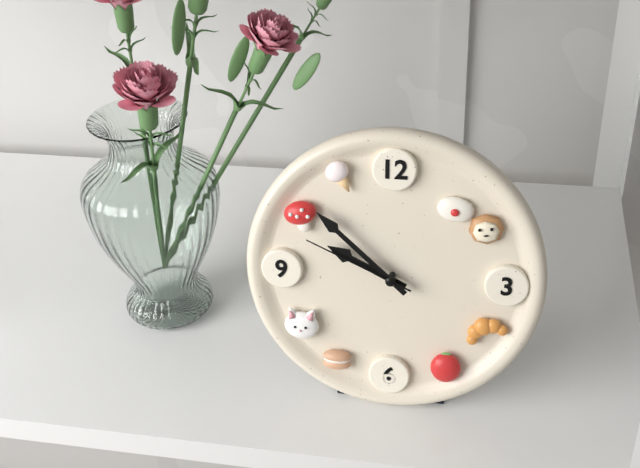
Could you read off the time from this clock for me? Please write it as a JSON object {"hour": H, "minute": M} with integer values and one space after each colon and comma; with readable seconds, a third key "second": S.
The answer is {"hour": 9, "minute": 52, "second": 49}
